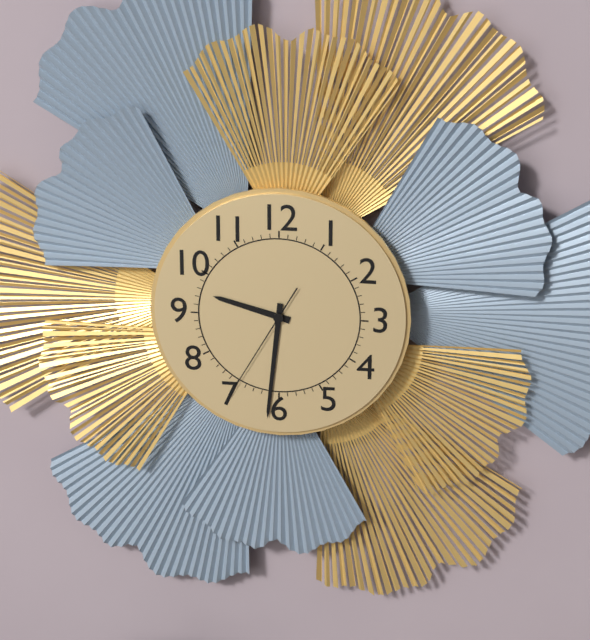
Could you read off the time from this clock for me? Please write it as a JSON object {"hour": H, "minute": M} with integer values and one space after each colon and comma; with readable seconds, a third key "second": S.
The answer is {"hour": 9, "minute": 31, "second": 35}
